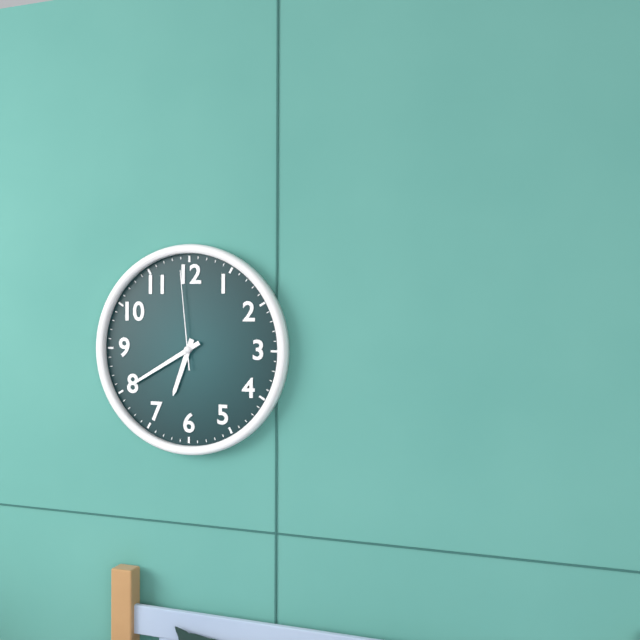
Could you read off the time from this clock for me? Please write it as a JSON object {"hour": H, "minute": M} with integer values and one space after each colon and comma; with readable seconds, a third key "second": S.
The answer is {"hour": 6, "minute": 40, "second": 59}
